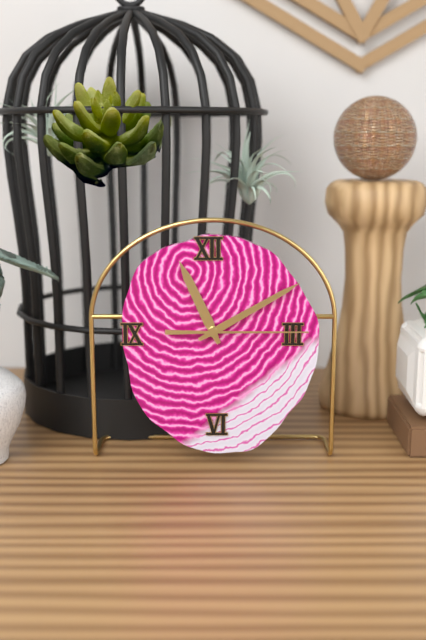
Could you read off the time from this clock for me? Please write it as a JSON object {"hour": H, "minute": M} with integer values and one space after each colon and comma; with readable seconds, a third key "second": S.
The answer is {"hour": 11, "minute": 10, "second": 15}
